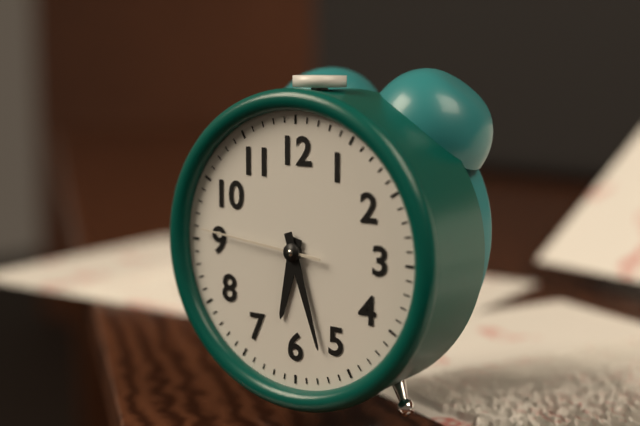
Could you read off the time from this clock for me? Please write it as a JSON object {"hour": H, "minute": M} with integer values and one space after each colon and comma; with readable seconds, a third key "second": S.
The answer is {"hour": 6, "minute": 27, "second": 46}
